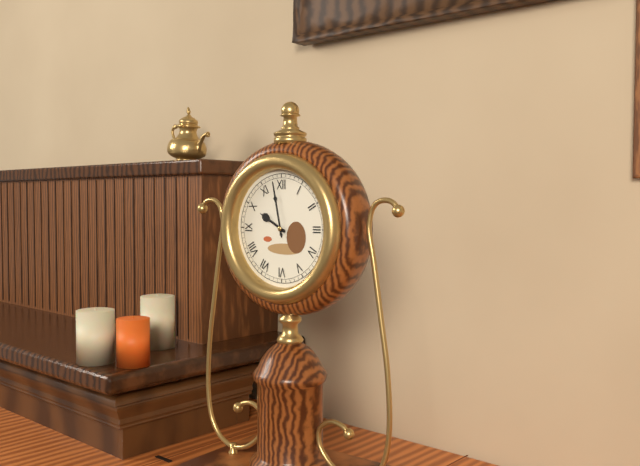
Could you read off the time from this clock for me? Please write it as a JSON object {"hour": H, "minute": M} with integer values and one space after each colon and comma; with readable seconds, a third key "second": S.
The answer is {"hour": 9, "minute": 58}
